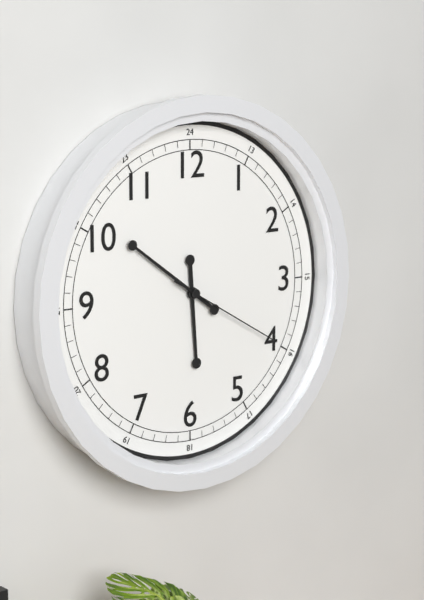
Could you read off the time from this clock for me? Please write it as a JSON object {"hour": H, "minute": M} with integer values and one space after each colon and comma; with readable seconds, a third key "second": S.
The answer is {"hour": 5, "minute": 51, "second": 20}
